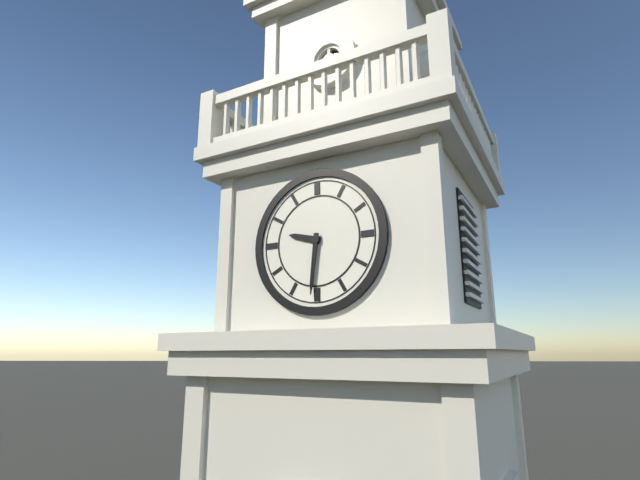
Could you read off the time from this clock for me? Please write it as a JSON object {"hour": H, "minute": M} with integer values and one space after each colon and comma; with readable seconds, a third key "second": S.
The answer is {"hour": 9, "minute": 31}
